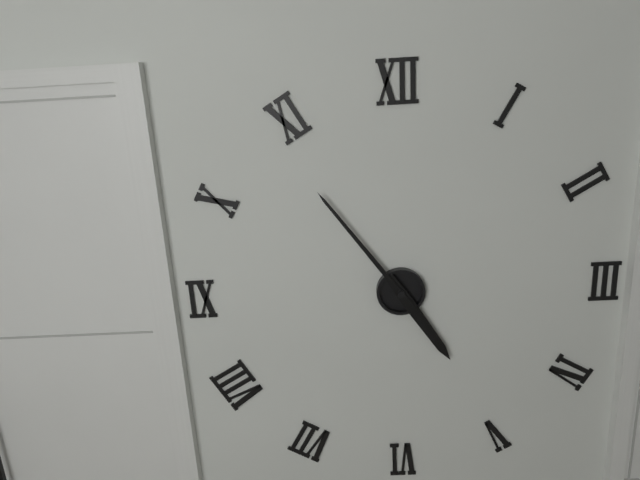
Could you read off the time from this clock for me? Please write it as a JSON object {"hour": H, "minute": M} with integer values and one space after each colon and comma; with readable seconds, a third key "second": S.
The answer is {"hour": 4, "minute": 54}
